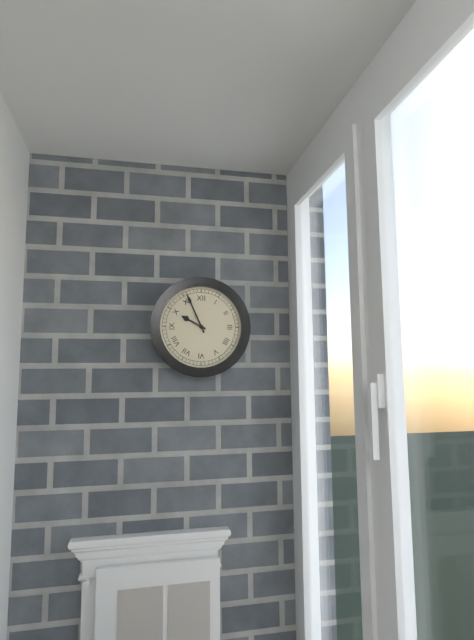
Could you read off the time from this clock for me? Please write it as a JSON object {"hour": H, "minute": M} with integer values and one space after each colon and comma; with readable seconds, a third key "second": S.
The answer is {"hour": 9, "minute": 56}
